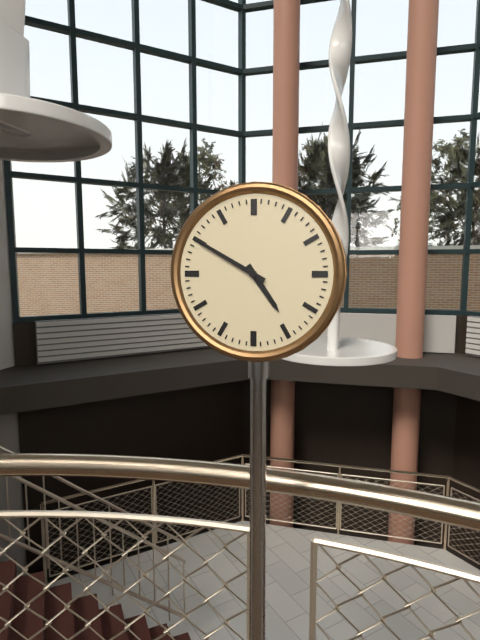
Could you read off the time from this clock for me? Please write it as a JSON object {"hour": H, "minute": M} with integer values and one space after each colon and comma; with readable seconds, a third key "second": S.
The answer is {"hour": 4, "minute": 50}
